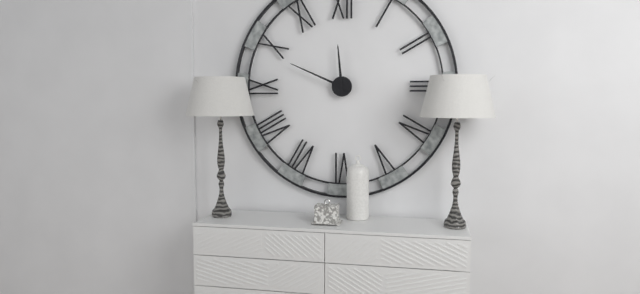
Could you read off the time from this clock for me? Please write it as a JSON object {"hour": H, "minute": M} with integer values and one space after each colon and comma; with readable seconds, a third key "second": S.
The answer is {"hour": 11, "minute": 49}
